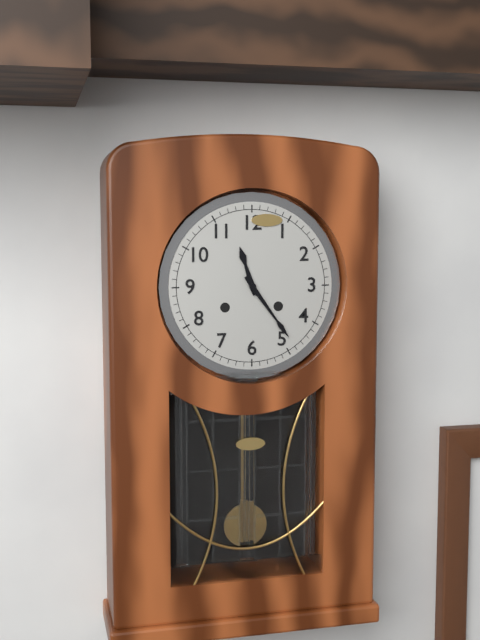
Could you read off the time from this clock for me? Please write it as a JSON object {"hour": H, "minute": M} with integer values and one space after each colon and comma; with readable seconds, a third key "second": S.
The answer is {"hour": 11, "minute": 24}
